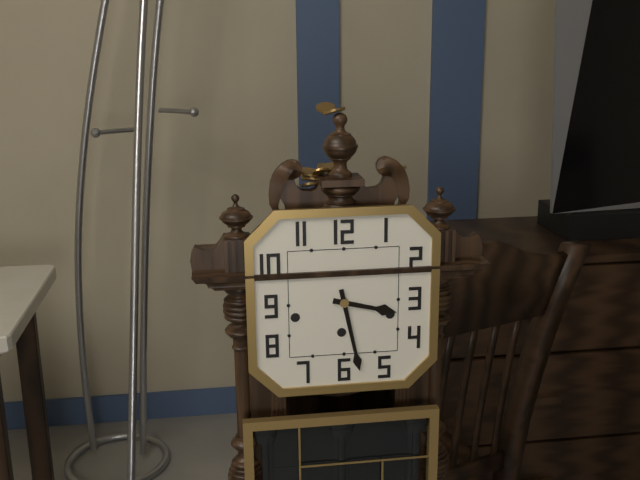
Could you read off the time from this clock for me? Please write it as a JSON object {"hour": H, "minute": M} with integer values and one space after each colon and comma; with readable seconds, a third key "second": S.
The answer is {"hour": 3, "minute": 28}
